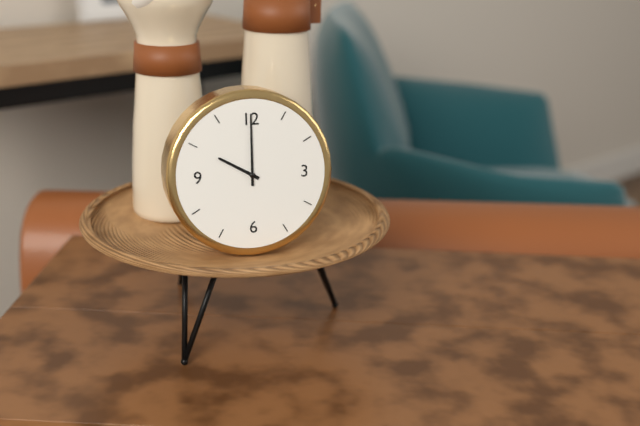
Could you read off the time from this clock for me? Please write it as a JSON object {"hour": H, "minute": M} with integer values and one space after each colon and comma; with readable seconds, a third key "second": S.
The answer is {"hour": 10, "minute": 0}
